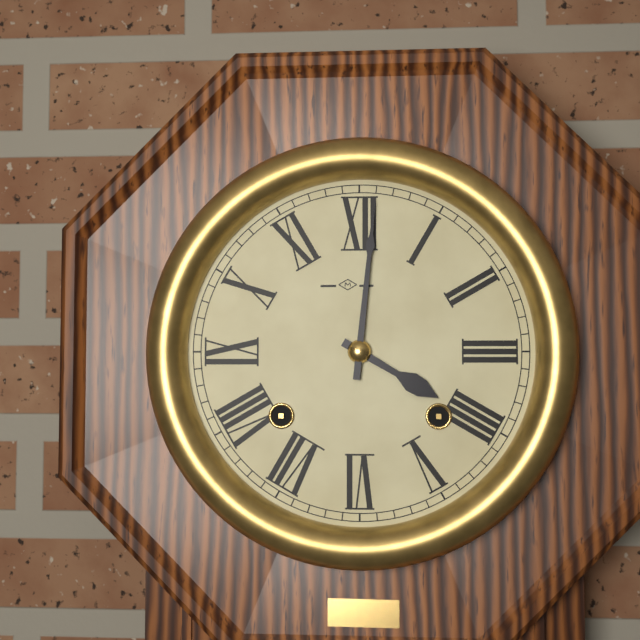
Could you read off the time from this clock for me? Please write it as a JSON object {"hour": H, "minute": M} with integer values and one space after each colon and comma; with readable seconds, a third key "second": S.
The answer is {"hour": 4, "minute": 1}
